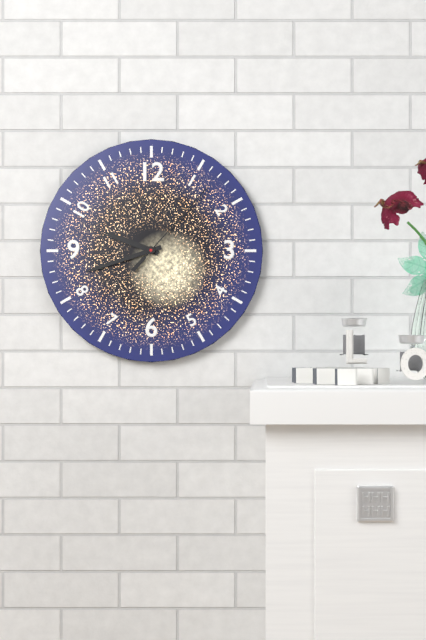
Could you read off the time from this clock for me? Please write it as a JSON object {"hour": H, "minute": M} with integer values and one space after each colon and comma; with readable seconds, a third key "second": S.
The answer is {"hour": 9, "minute": 42, "second": 7}
